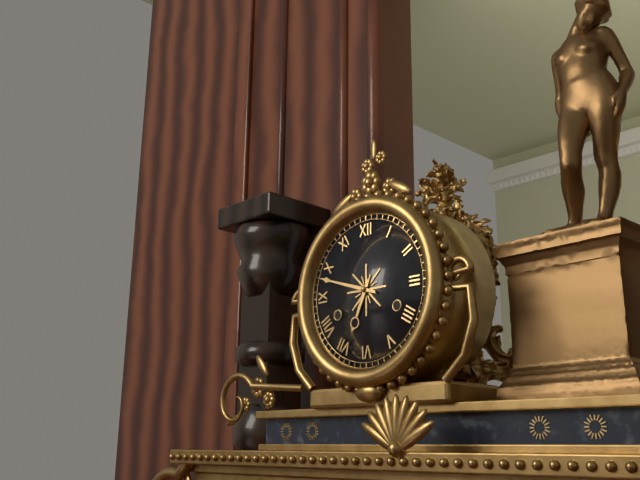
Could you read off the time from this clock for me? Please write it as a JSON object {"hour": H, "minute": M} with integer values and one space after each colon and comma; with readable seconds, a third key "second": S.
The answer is {"hour": 6, "minute": 48}
